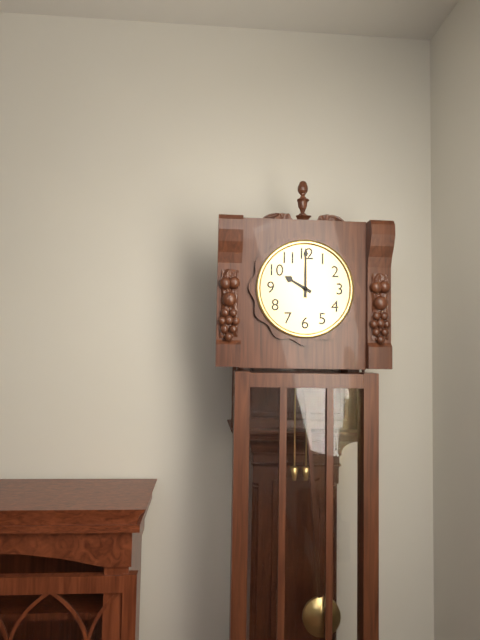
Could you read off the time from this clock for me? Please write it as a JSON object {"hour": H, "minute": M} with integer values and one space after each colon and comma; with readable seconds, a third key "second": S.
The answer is {"hour": 10, "minute": 0}
